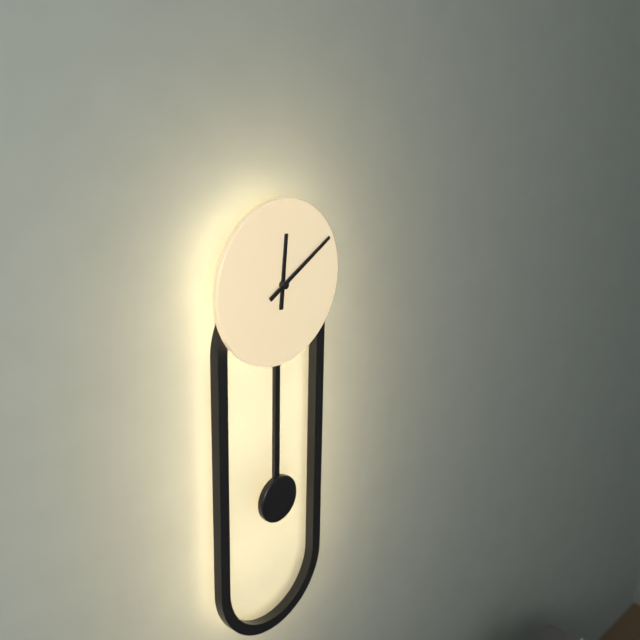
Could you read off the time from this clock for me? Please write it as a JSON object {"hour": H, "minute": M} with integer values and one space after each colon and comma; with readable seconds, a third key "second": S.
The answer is {"hour": 12, "minute": 10}
